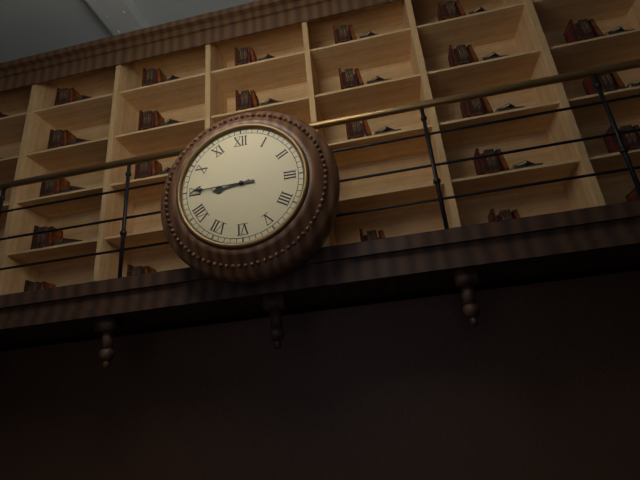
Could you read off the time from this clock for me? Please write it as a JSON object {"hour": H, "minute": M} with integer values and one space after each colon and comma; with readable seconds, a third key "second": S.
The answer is {"hour": 8, "minute": 45}
